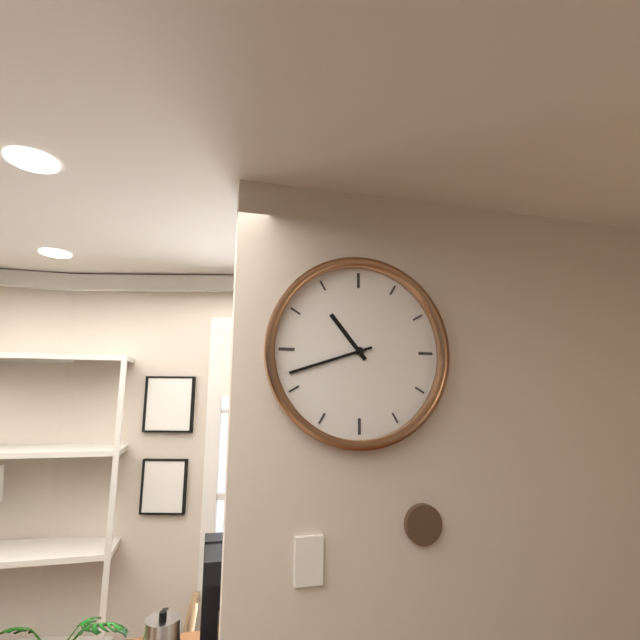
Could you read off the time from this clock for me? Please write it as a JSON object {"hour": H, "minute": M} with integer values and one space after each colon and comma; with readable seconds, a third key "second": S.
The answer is {"hour": 10, "minute": 42}
